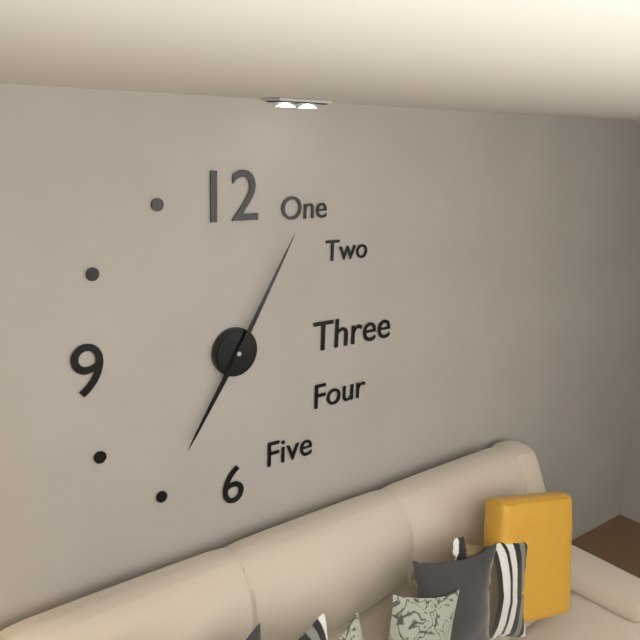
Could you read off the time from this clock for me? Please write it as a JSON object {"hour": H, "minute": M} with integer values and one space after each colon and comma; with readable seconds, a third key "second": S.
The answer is {"hour": 7, "minute": 5}
